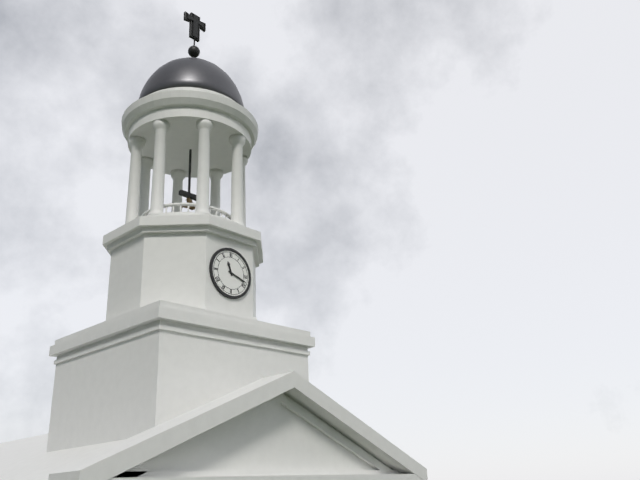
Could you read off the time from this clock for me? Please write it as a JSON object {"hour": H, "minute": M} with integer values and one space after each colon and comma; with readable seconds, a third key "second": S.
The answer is {"hour": 11, "minute": 18}
